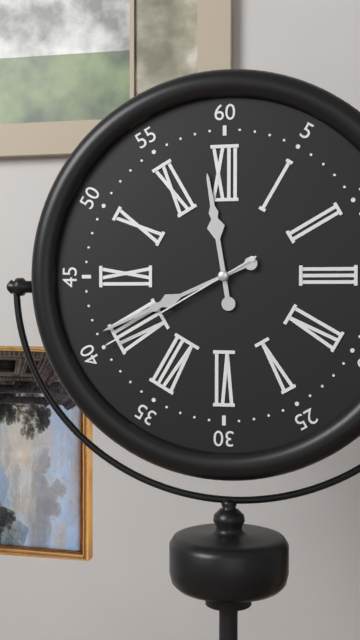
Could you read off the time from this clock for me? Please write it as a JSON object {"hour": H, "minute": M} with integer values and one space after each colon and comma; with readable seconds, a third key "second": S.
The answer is {"hour": 11, "minute": 41, "second": 40}
